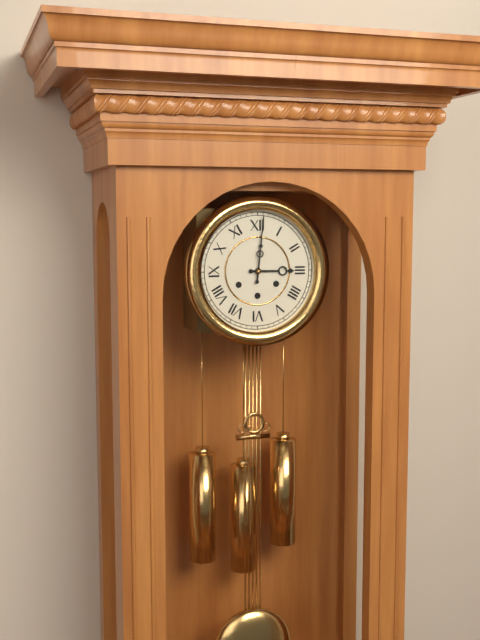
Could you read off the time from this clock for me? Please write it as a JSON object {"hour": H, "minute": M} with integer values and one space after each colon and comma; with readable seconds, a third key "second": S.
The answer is {"hour": 3, "minute": 1}
